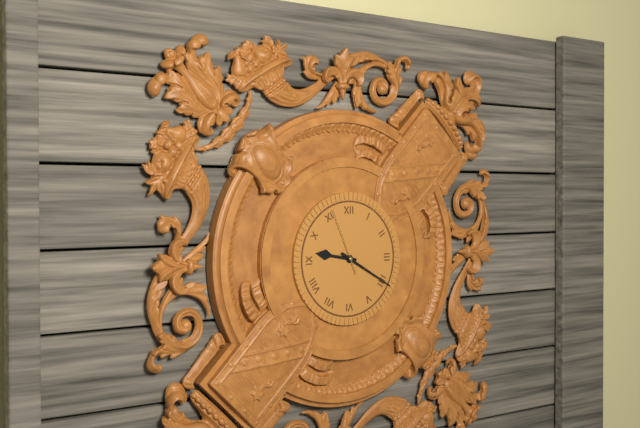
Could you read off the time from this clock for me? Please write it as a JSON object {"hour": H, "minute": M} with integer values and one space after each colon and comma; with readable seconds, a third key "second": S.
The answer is {"hour": 9, "minute": 20, "second": 56}
